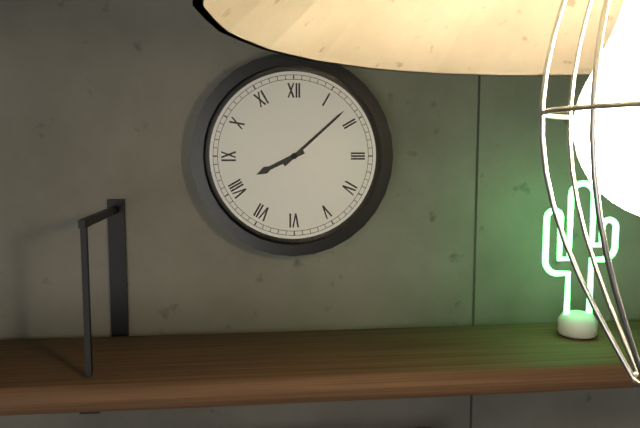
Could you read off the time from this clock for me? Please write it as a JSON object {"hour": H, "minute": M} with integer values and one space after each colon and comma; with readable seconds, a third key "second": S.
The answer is {"hour": 8, "minute": 8}
